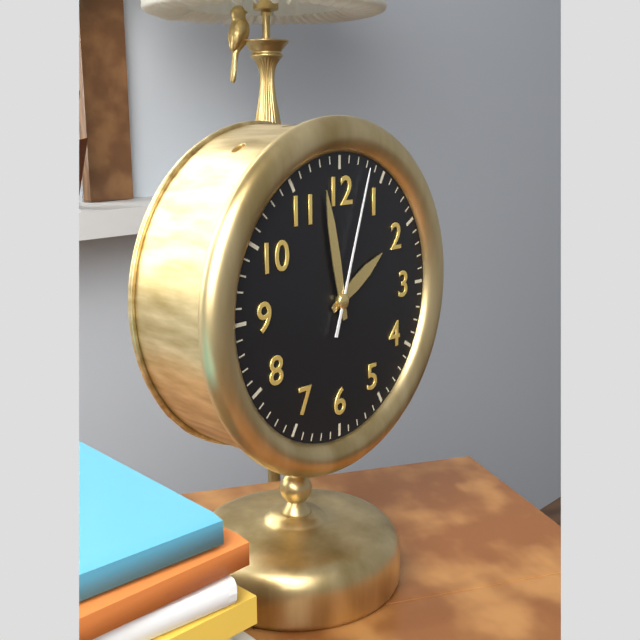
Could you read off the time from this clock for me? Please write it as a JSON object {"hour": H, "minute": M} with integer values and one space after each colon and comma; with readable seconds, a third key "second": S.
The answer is {"hour": 1, "minute": 58, "second": 3}
